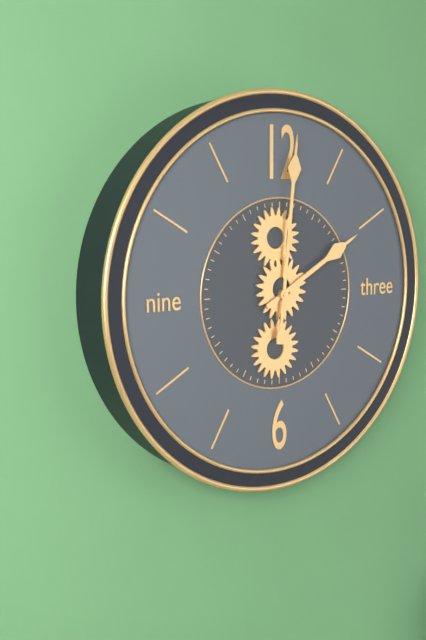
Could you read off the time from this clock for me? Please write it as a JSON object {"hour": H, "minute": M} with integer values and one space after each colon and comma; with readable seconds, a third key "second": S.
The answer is {"hour": 2, "minute": 1}
